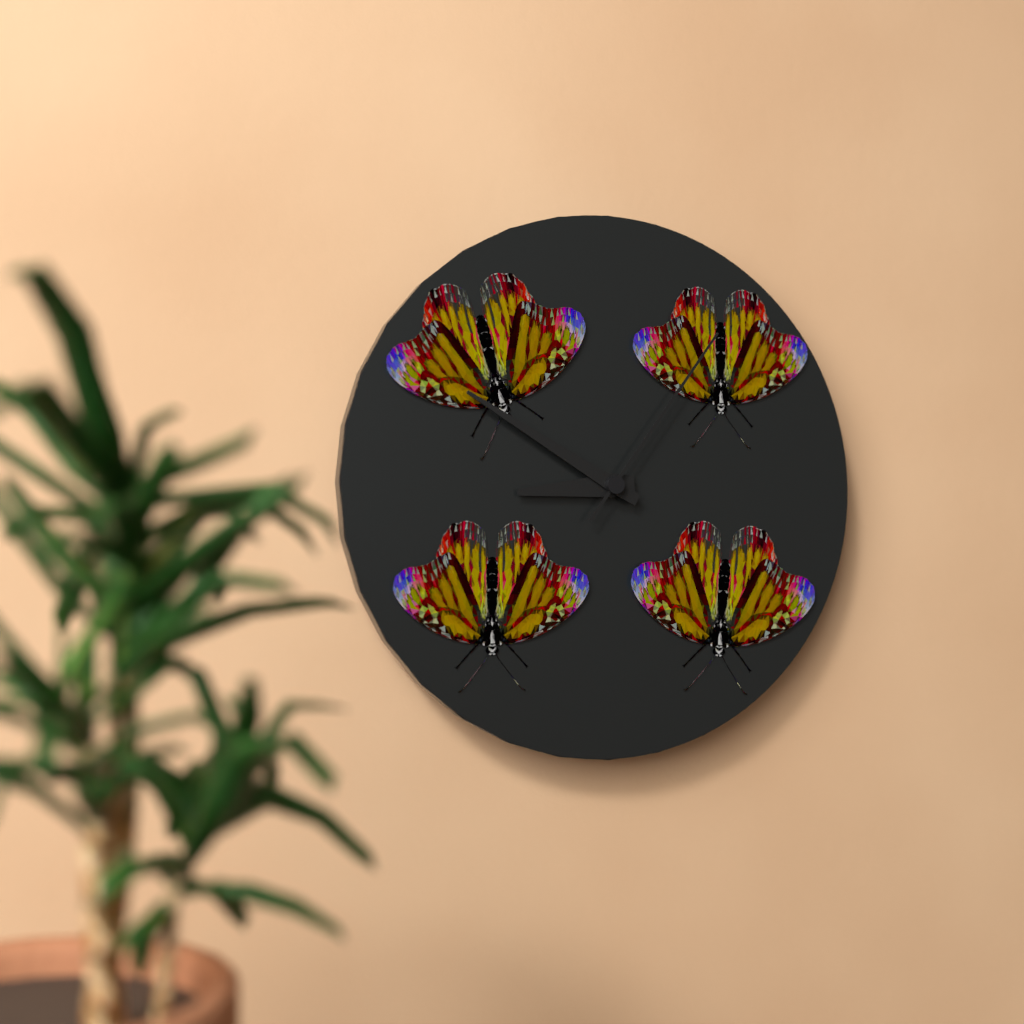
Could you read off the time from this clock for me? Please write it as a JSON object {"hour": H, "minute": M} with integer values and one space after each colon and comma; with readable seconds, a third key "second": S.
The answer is {"hour": 8, "minute": 50, "second": 6}
